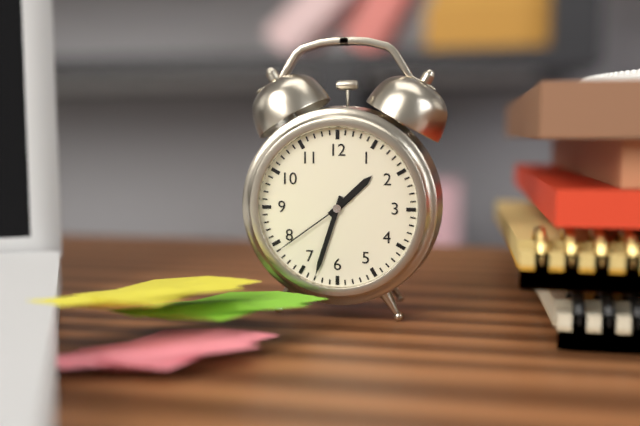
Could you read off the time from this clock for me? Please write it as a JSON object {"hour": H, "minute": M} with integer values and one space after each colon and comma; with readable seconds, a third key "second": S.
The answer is {"hour": 1, "minute": 33, "second": 39}
